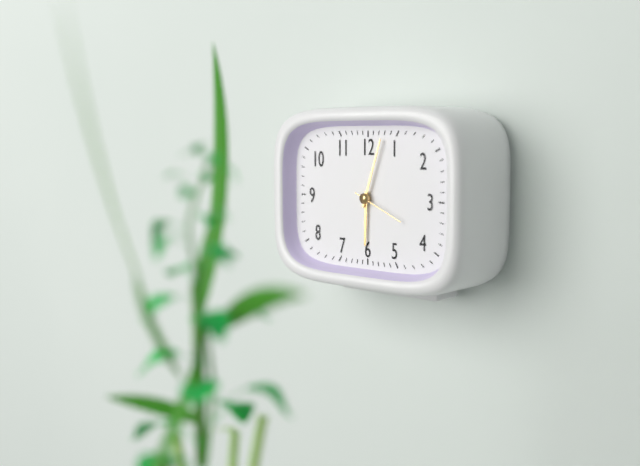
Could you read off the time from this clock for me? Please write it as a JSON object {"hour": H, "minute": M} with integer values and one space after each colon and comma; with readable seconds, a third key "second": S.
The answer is {"hour": 6, "minute": 3, "second": 19}
